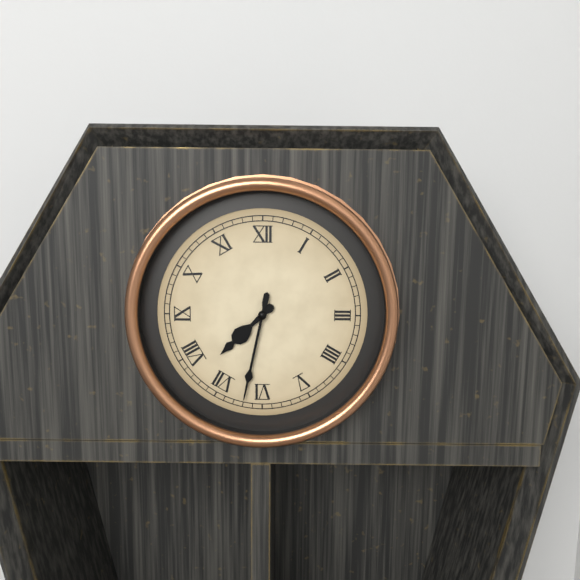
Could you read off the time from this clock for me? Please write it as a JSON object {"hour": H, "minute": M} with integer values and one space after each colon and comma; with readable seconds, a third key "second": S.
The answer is {"hour": 7, "minute": 32}
